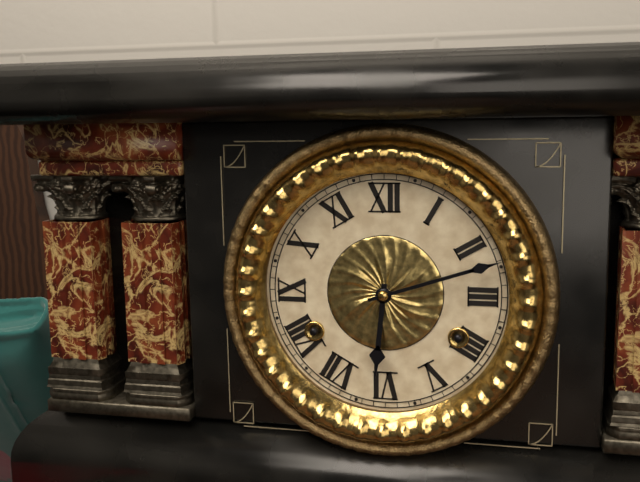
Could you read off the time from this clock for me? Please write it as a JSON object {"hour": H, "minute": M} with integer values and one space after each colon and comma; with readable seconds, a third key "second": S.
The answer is {"hour": 6, "minute": 12}
